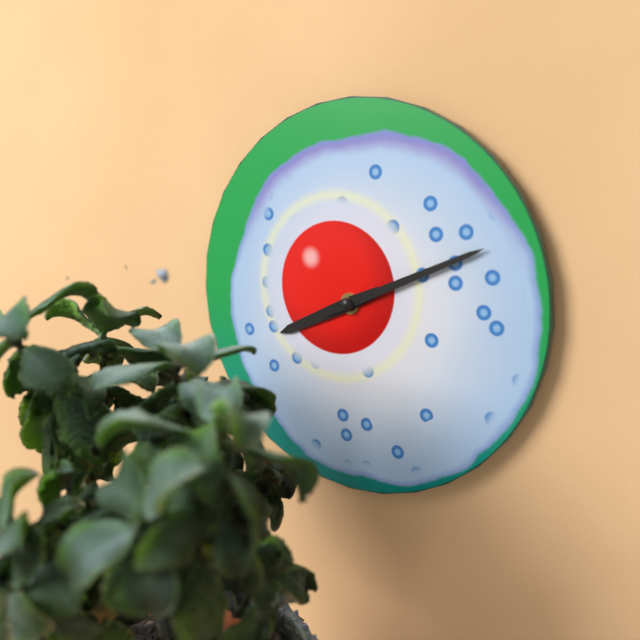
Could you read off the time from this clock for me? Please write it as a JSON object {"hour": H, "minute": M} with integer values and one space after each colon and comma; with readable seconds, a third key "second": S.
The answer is {"hour": 8, "minute": 11}
